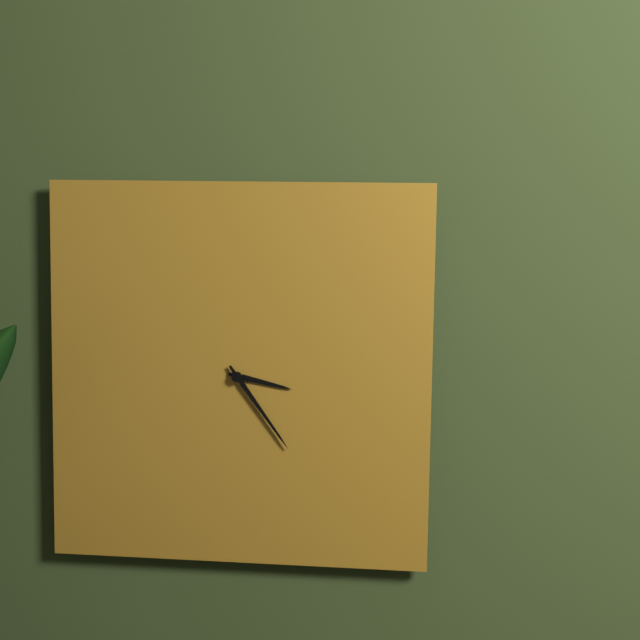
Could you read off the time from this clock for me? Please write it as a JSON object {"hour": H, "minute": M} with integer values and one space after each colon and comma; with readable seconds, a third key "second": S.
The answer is {"hour": 3, "minute": 24}
